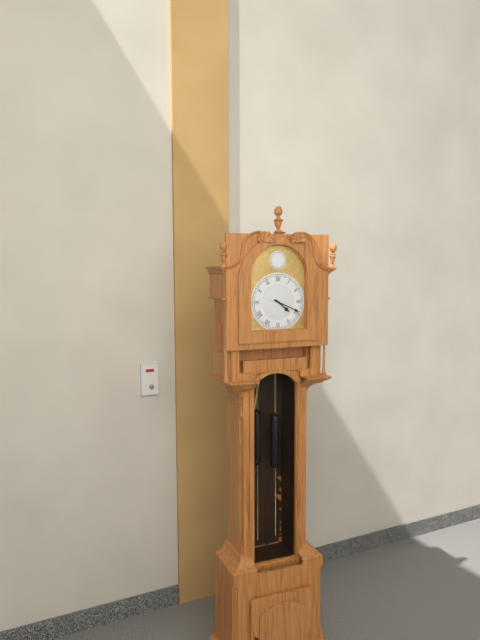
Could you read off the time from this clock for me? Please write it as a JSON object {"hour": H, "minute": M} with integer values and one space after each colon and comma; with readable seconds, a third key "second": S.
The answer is {"hour": 4, "minute": 19}
